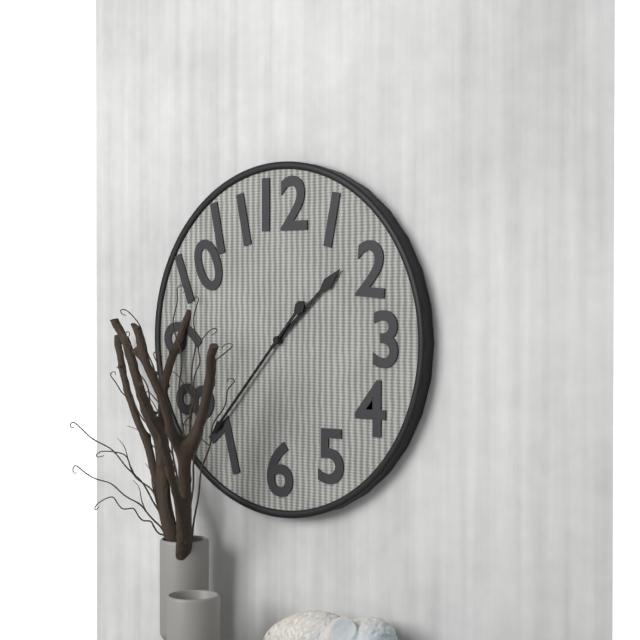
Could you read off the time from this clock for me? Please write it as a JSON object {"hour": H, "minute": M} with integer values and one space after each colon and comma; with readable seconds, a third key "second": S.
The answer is {"hour": 1, "minute": 37}
